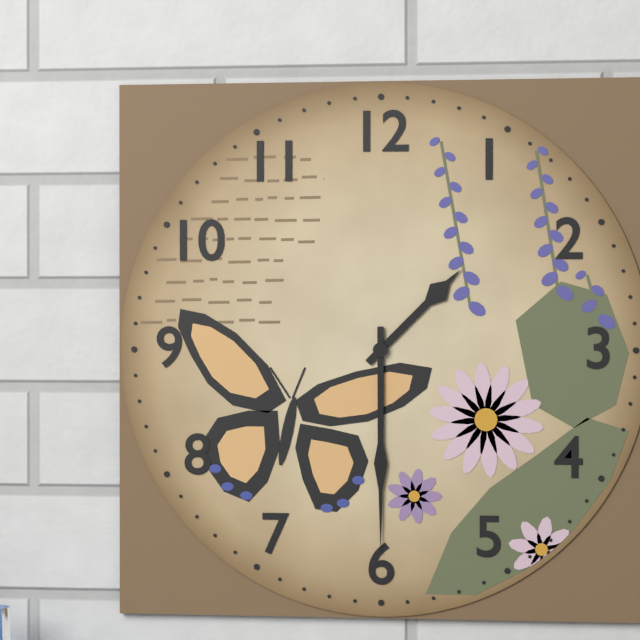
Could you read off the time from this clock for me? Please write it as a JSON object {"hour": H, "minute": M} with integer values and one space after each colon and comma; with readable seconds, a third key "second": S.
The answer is {"hour": 1, "minute": 30}
